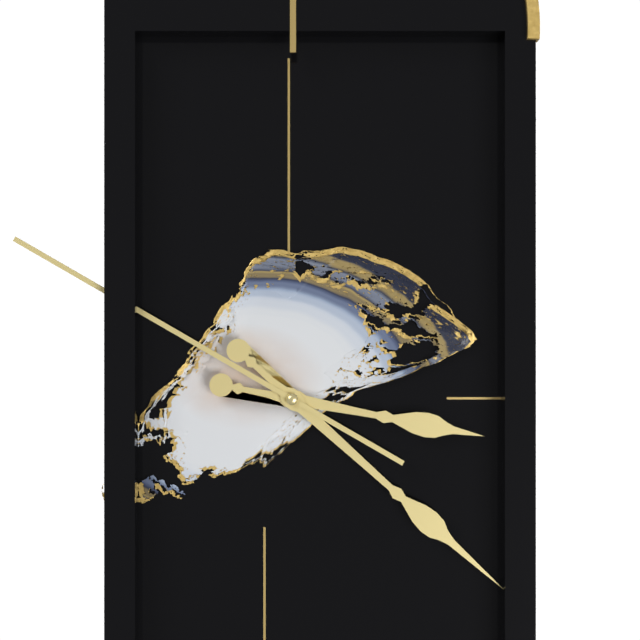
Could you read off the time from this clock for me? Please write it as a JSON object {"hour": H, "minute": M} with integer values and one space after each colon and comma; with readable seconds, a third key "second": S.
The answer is {"hour": 3, "minute": 22, "second": 50}
